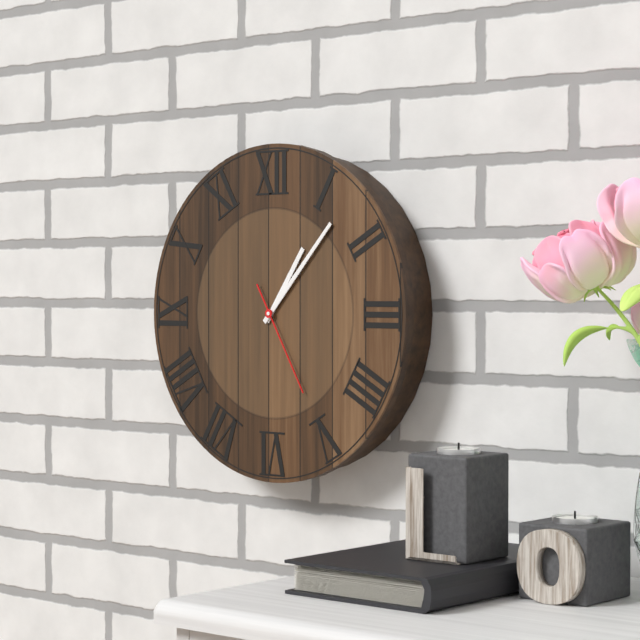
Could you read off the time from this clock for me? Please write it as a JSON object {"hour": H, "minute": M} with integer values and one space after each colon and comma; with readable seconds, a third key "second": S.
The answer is {"hour": 1, "minute": 7, "second": 25}
